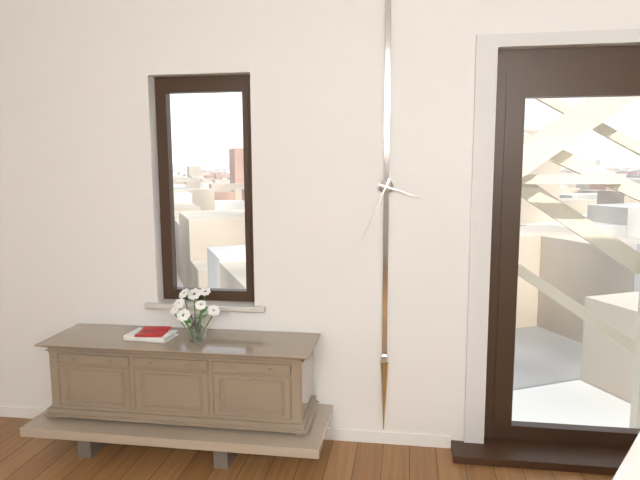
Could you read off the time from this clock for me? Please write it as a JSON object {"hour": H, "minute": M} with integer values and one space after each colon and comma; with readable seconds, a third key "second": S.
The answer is {"hour": 3, "minute": 34}
